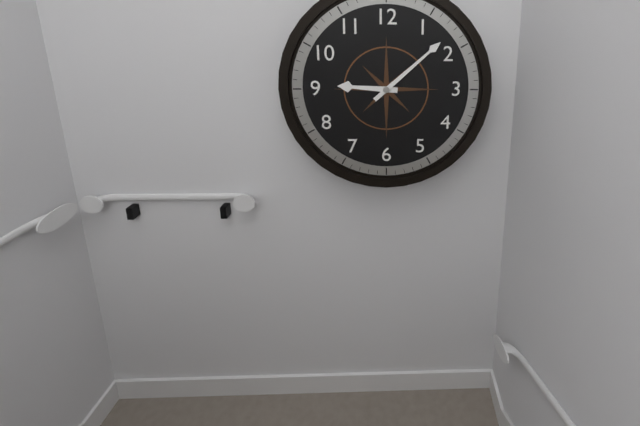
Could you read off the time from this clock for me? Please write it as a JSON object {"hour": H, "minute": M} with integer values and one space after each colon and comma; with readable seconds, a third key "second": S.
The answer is {"hour": 9, "minute": 8}
